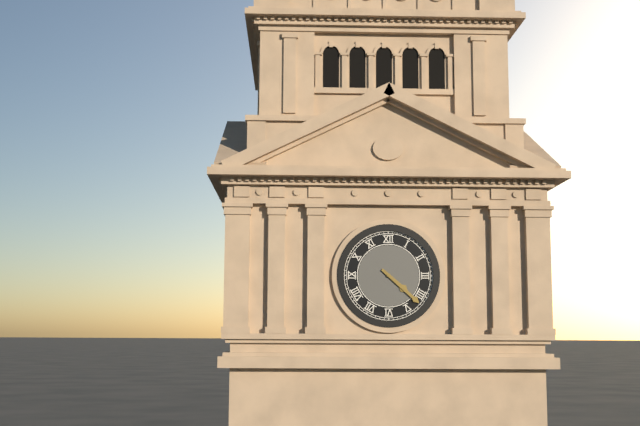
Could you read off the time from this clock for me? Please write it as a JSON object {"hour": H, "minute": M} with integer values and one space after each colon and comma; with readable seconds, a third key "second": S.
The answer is {"hour": 4, "minute": 22}
